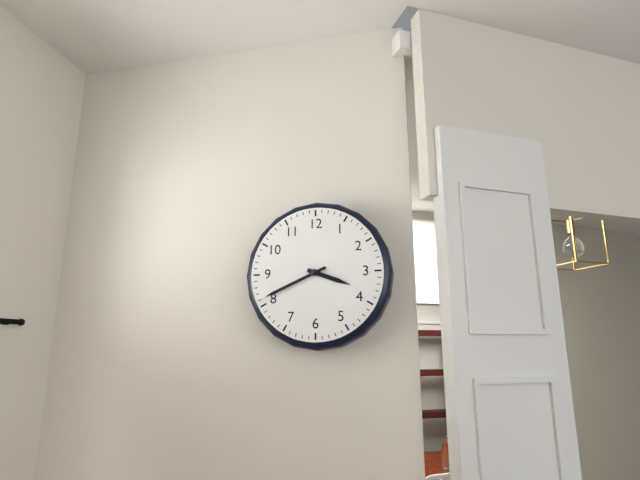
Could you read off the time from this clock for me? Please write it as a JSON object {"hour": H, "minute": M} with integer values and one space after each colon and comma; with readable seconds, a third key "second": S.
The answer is {"hour": 3, "minute": 41}
